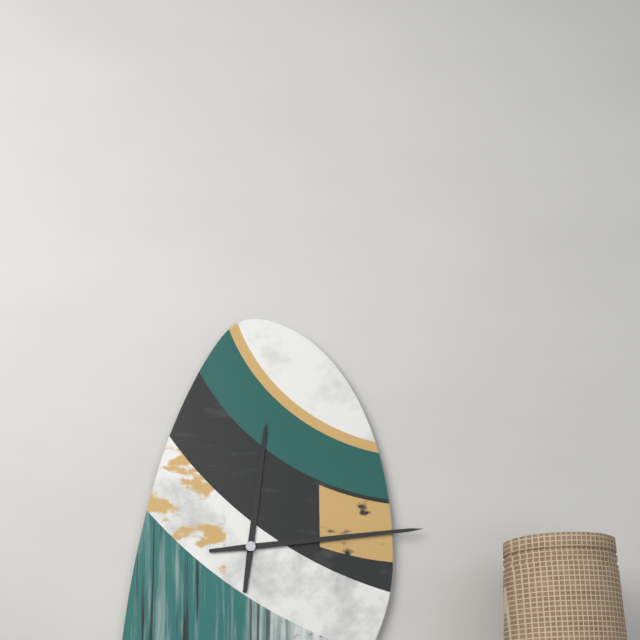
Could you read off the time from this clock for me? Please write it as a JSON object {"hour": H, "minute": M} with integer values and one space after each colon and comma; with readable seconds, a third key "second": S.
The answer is {"hour": 12, "minute": 14}
